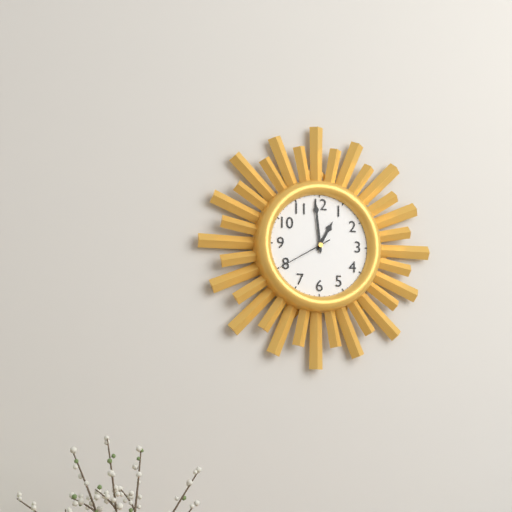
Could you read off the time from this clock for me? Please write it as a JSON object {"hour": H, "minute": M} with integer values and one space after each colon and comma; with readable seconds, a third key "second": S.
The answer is {"hour": 12, "minute": 59, "second": 40}
